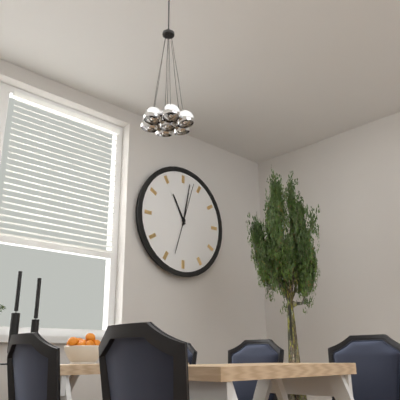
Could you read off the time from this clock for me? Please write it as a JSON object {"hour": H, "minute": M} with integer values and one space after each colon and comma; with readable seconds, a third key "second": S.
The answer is {"hour": 11, "minute": 2}
